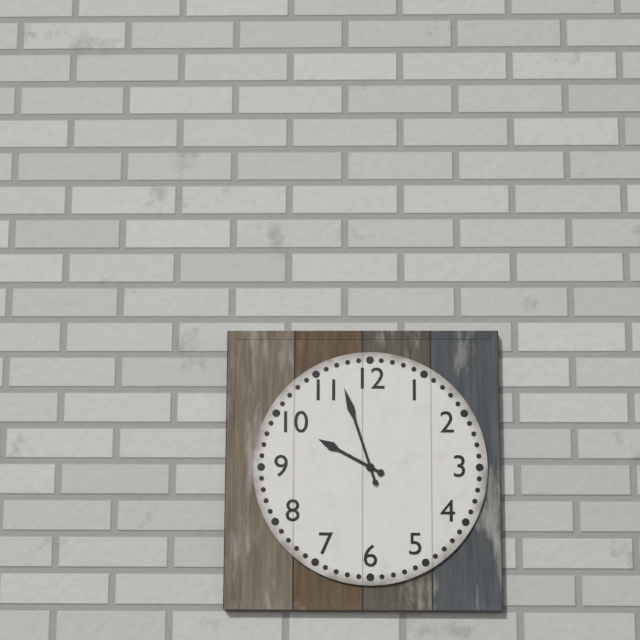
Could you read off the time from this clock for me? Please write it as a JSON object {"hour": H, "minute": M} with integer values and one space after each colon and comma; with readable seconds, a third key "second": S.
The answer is {"hour": 9, "minute": 57}
